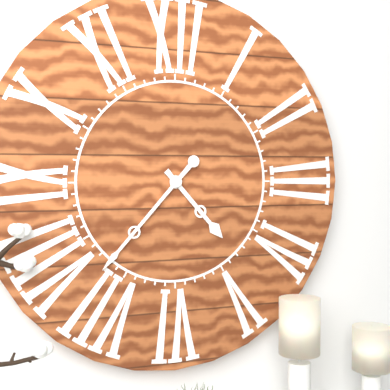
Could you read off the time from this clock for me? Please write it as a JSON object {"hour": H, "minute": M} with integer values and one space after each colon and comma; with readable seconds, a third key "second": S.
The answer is {"hour": 4, "minute": 37}
